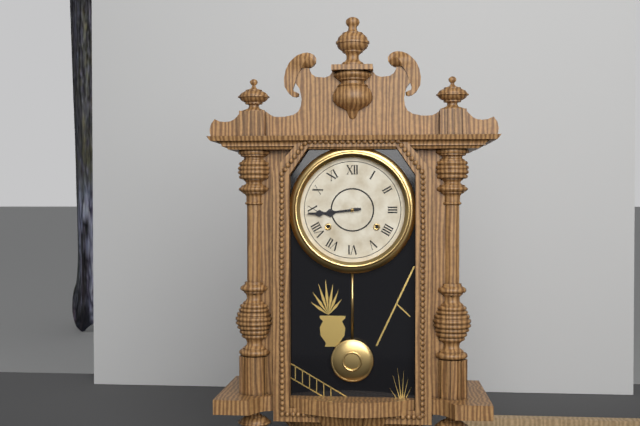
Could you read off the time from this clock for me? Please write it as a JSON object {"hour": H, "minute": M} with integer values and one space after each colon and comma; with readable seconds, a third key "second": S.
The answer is {"hour": 8, "minute": 44}
